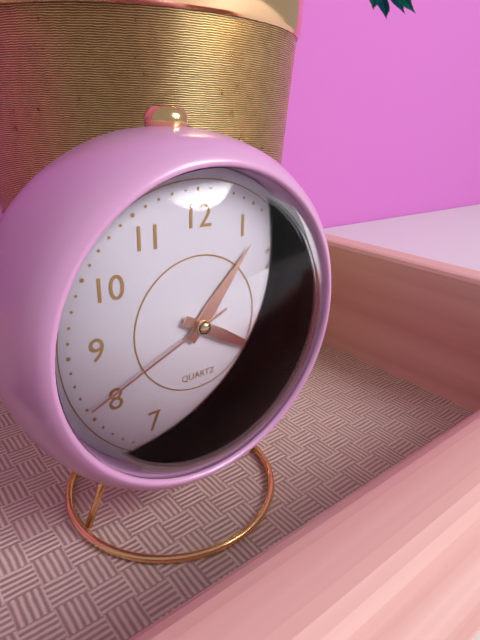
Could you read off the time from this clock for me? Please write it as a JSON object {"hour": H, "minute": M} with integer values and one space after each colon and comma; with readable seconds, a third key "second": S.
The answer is {"hour": 1, "minute": 20, "second": 41}
